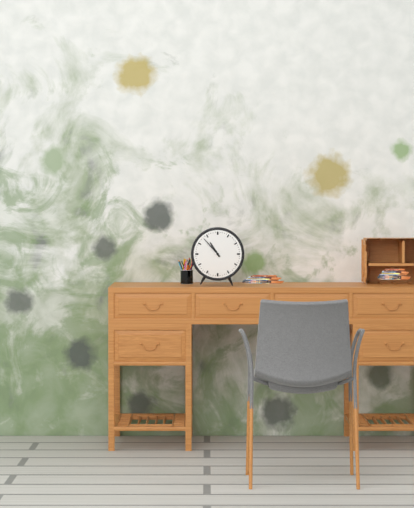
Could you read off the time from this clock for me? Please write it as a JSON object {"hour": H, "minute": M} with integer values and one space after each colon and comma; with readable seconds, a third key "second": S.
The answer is {"hour": 10, "minute": 53}
